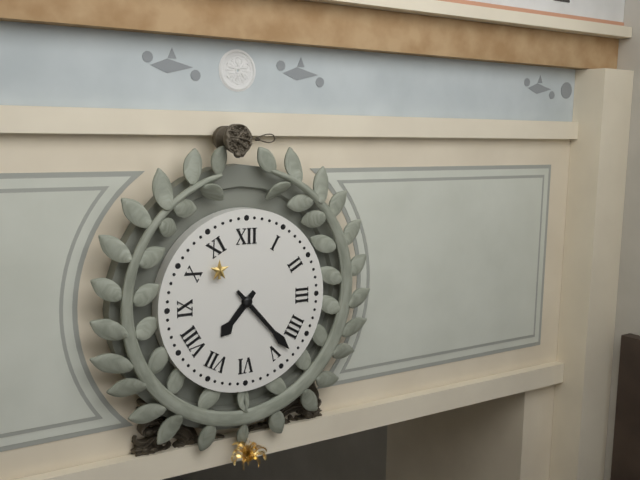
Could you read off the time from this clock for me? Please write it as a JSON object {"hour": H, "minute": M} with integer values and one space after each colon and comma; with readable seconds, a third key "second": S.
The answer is {"hour": 7, "minute": 23}
